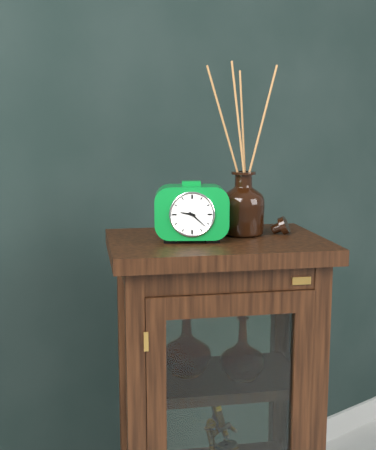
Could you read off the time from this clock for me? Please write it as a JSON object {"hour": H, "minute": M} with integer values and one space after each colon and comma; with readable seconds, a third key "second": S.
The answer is {"hour": 9, "minute": 22}
